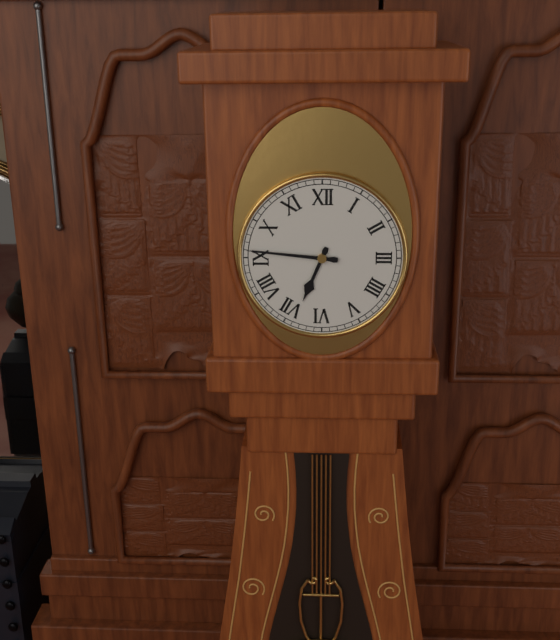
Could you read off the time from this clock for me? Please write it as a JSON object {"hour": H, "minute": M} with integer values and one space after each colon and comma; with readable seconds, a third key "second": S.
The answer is {"hour": 6, "minute": 46}
